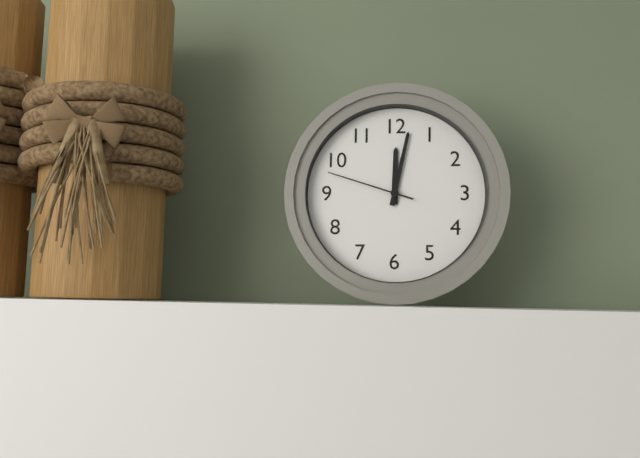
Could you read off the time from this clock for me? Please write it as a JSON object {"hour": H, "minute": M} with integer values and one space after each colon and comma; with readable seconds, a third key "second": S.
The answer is {"hour": 12, "minute": 2, "second": 48}
